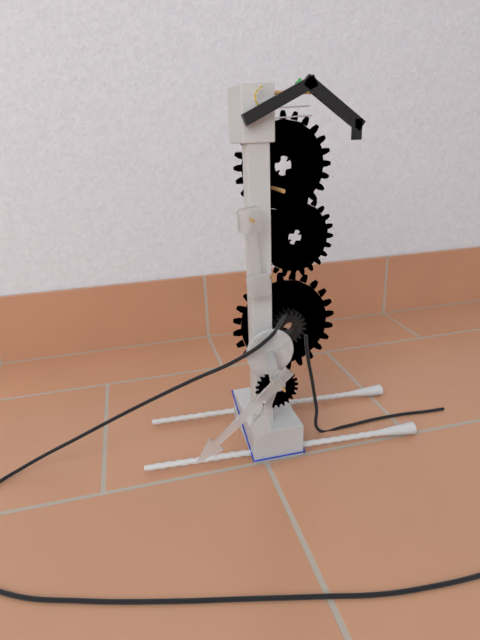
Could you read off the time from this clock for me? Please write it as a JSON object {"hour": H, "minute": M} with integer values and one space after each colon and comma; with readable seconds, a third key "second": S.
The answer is {"hour": 6, "minute": 38}
